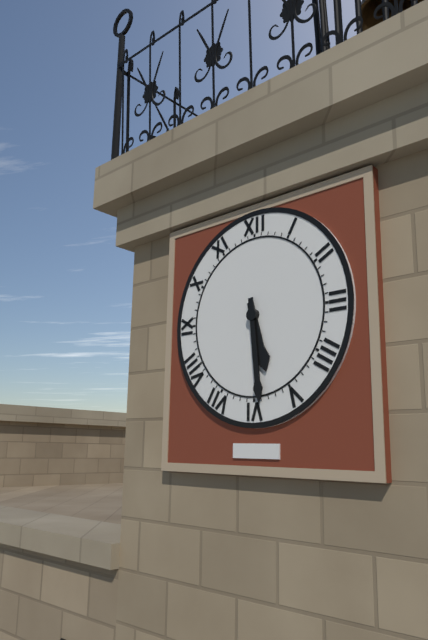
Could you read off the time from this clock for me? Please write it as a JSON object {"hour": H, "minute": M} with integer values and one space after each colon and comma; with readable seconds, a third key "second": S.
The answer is {"hour": 5, "minute": 29}
